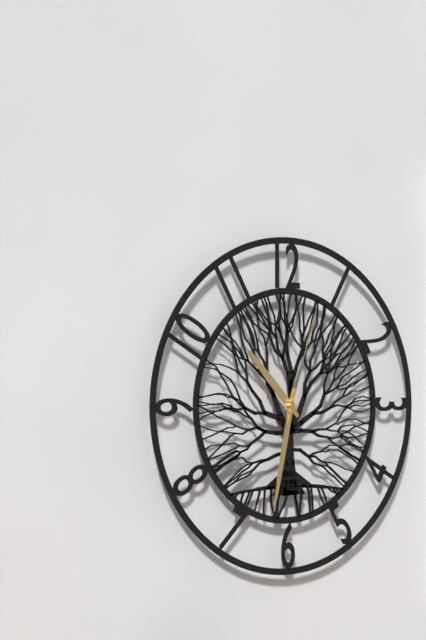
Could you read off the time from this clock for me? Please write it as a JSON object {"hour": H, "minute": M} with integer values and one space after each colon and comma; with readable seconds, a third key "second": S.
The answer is {"hour": 10, "minute": 32, "second": 3}
